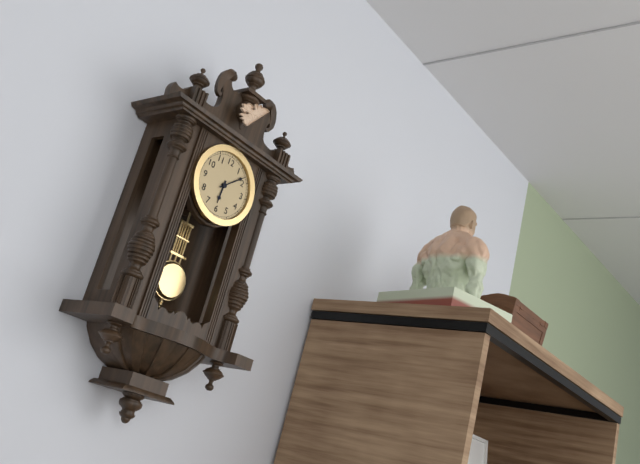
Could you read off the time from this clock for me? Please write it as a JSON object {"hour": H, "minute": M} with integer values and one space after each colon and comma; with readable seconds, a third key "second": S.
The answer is {"hour": 6, "minute": 8}
